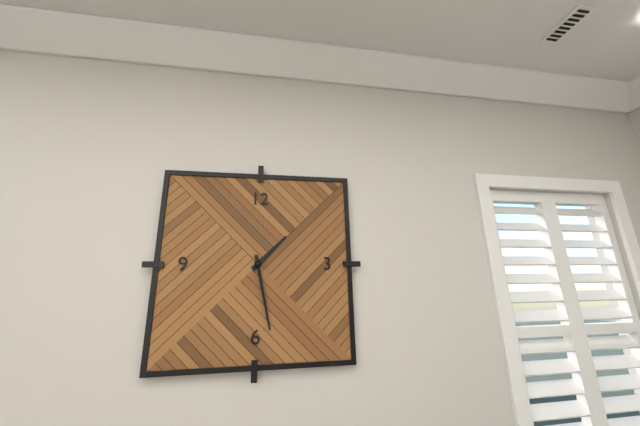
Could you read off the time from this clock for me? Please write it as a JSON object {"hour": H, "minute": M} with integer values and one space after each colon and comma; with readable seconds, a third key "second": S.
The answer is {"hour": 1, "minute": 28}
